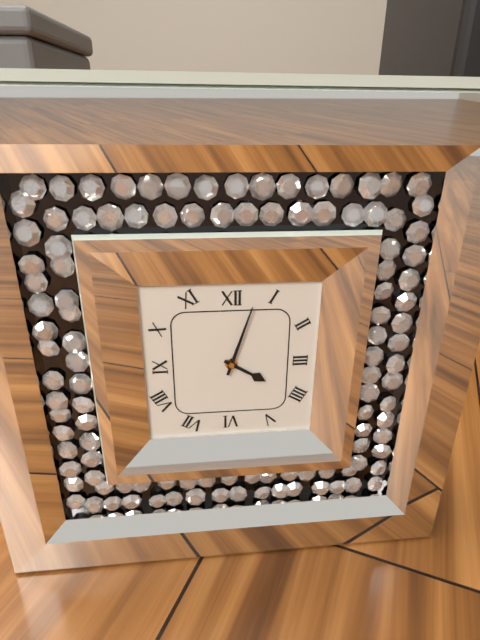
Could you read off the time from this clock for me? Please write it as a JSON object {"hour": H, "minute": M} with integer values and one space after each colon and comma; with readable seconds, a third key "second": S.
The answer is {"hour": 4, "minute": 3}
